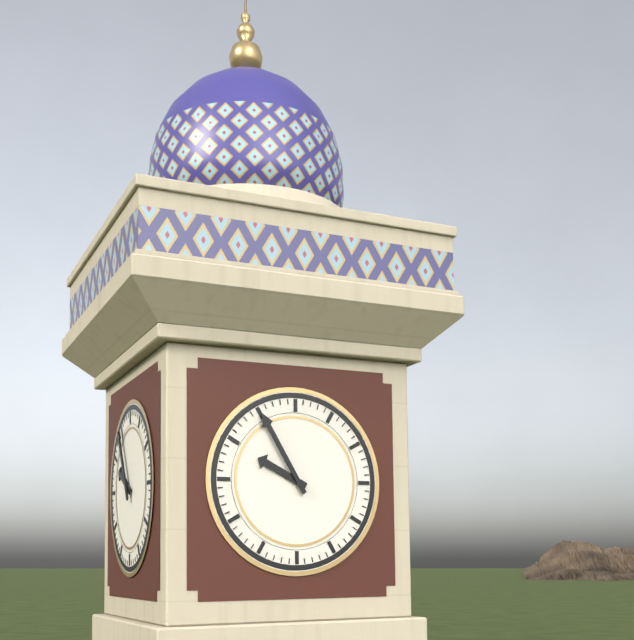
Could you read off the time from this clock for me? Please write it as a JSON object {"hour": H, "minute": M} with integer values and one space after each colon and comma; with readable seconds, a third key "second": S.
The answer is {"hour": 9, "minute": 55}
